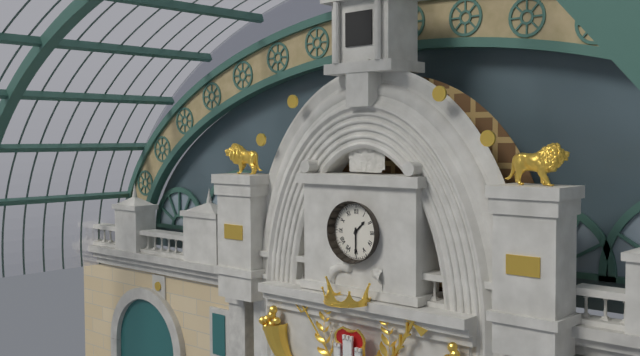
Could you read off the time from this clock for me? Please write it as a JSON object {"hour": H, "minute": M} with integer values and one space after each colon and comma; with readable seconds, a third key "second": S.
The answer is {"hour": 1, "minute": 30}
